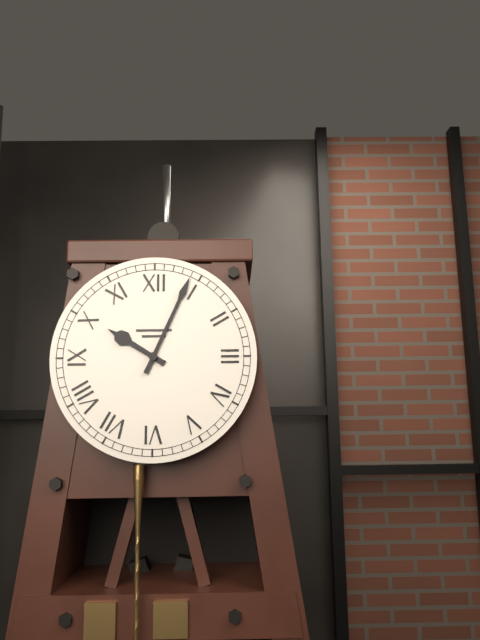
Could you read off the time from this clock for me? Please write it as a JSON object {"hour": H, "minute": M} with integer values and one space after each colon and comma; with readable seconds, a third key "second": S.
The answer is {"hour": 10, "minute": 4}
